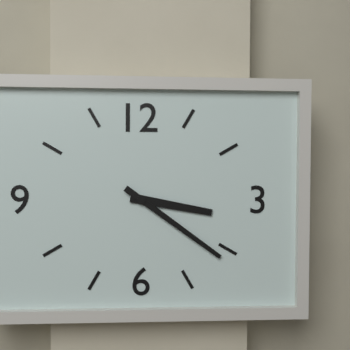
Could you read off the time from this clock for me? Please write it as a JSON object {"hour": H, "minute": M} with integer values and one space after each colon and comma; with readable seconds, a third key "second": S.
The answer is {"hour": 3, "minute": 21}
